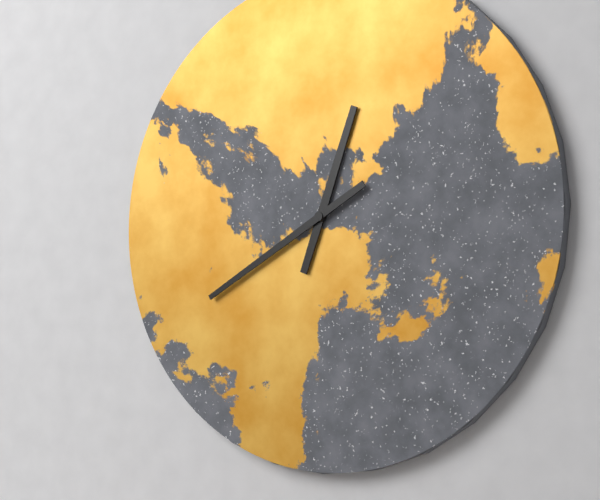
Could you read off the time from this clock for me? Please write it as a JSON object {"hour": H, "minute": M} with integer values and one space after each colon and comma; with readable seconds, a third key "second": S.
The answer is {"hour": 12, "minute": 40}
